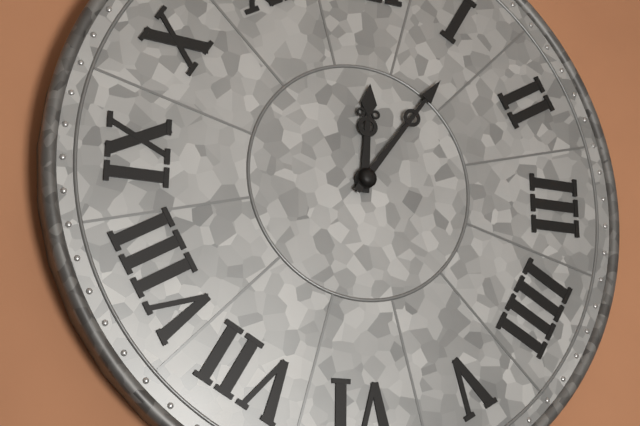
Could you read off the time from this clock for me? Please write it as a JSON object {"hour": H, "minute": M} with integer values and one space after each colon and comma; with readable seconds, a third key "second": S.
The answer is {"hour": 12, "minute": 6}
